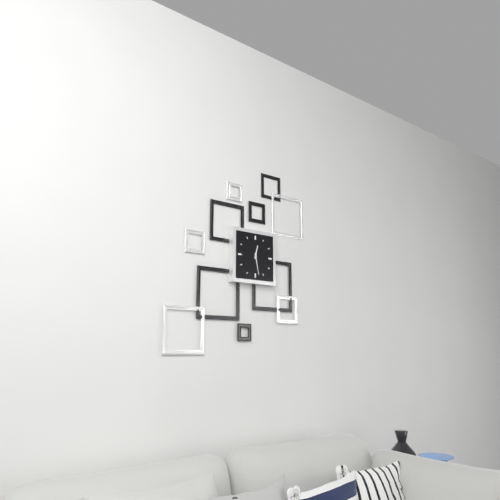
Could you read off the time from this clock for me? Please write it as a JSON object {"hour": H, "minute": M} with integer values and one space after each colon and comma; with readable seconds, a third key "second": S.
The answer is {"hour": 12, "minute": 28}
